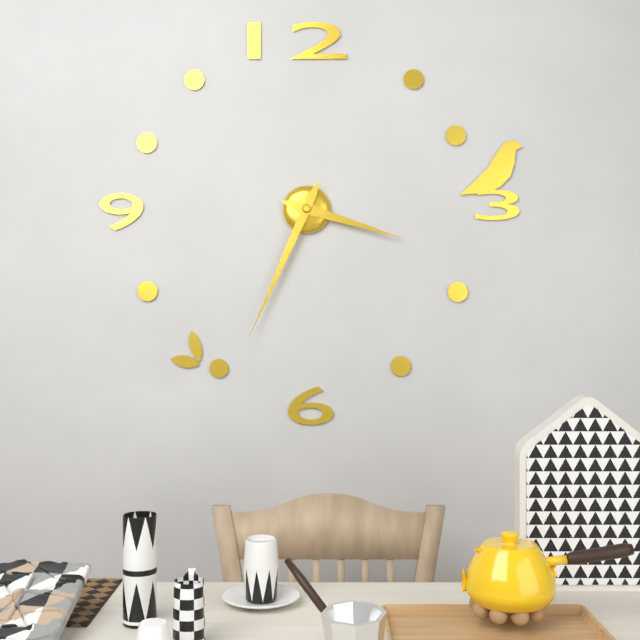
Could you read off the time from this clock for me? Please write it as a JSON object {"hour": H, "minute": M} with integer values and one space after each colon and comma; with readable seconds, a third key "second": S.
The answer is {"hour": 3, "minute": 34}
